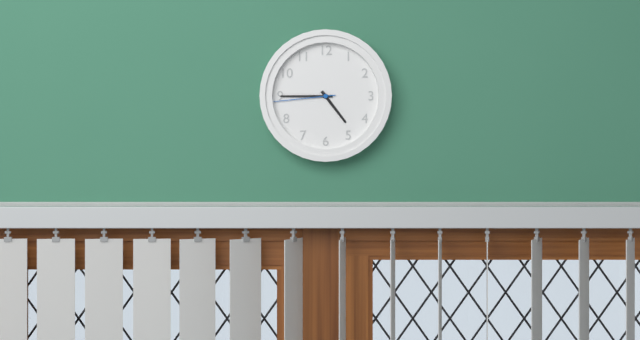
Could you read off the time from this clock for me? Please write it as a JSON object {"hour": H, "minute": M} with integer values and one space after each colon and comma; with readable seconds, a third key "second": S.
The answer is {"hour": 4, "minute": 45, "second": 44}
